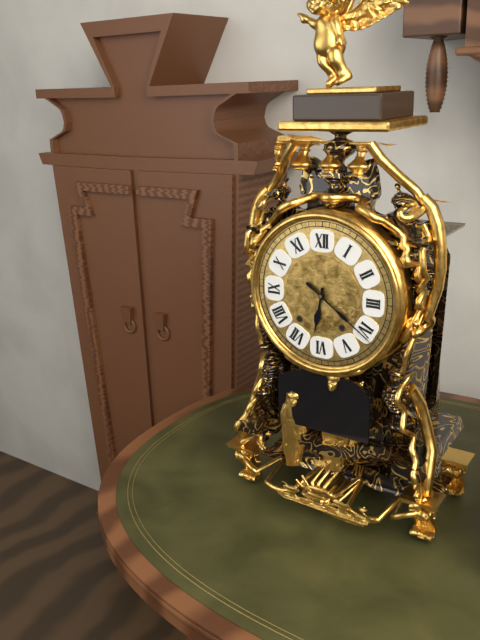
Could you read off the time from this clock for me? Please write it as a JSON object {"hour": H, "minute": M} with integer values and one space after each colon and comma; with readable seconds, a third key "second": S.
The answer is {"hour": 6, "minute": 21}
